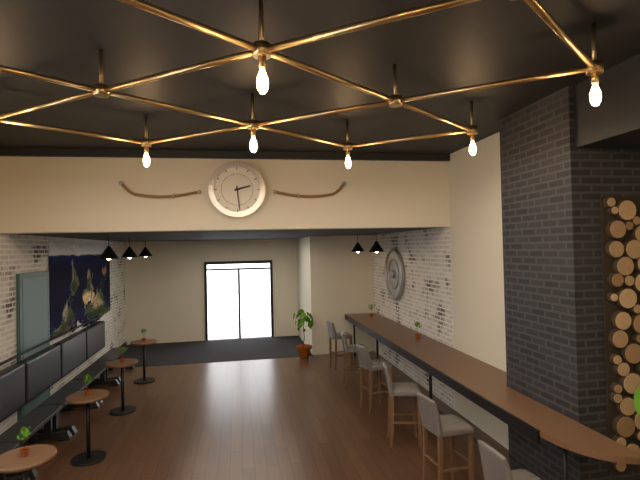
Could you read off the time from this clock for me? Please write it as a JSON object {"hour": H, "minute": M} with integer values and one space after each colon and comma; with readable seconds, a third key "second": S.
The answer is {"hour": 2, "minute": 29}
